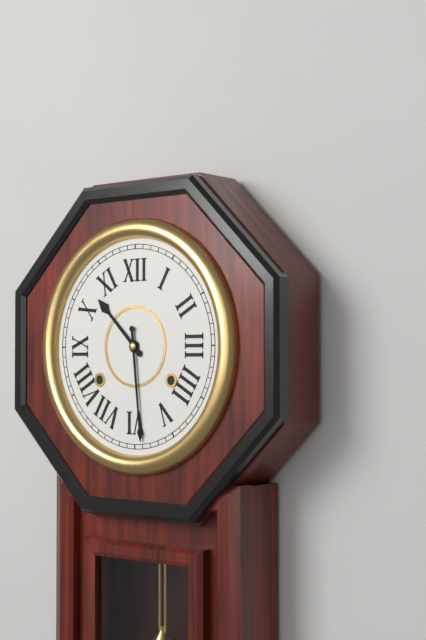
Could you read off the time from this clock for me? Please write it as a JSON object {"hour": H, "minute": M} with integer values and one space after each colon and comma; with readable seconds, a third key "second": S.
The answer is {"hour": 10, "minute": 29}
